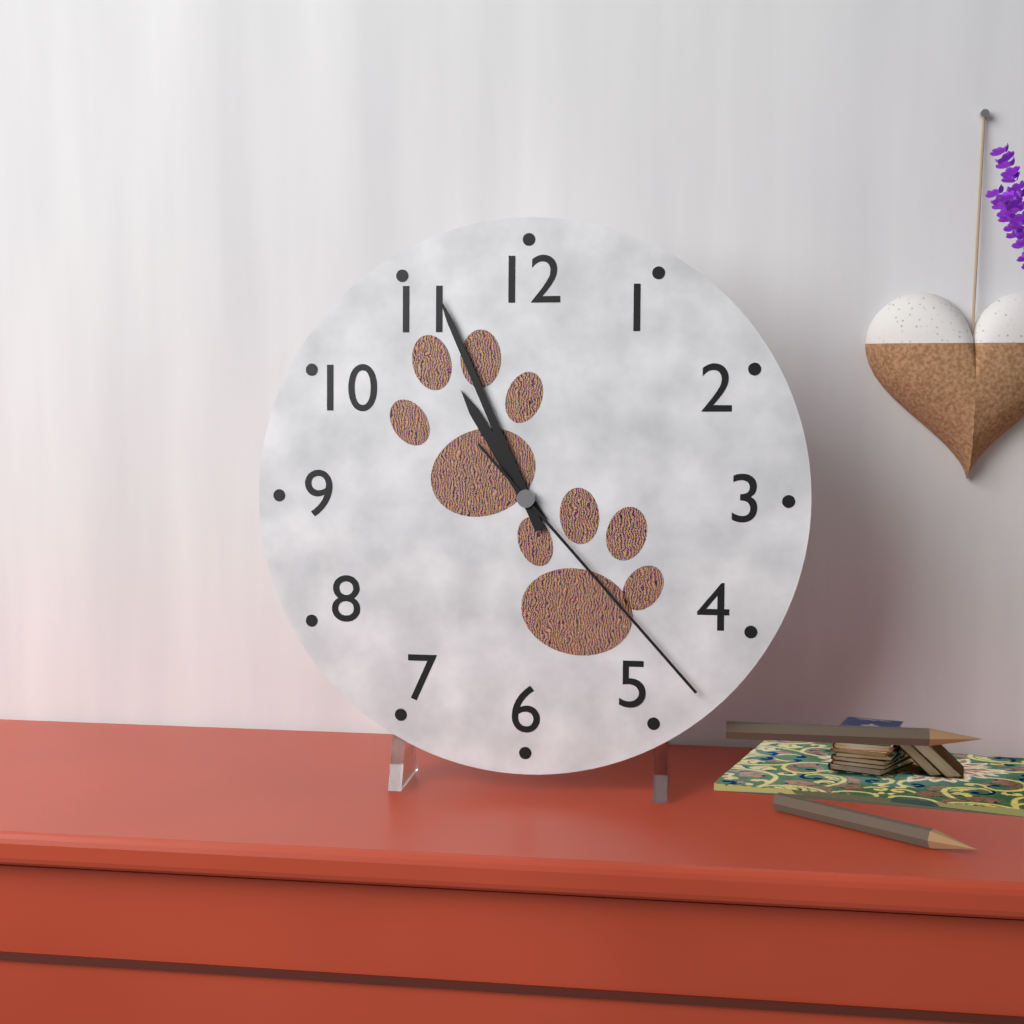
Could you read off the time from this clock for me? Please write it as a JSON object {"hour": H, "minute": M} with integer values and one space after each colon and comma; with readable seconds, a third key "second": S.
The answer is {"hour": 10, "minute": 56, "second": 23}
